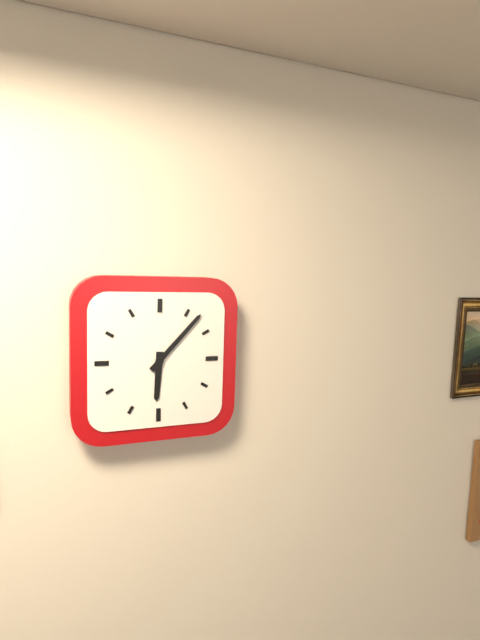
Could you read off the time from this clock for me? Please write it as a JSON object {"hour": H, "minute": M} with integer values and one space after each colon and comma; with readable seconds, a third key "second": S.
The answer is {"hour": 6, "minute": 7}
